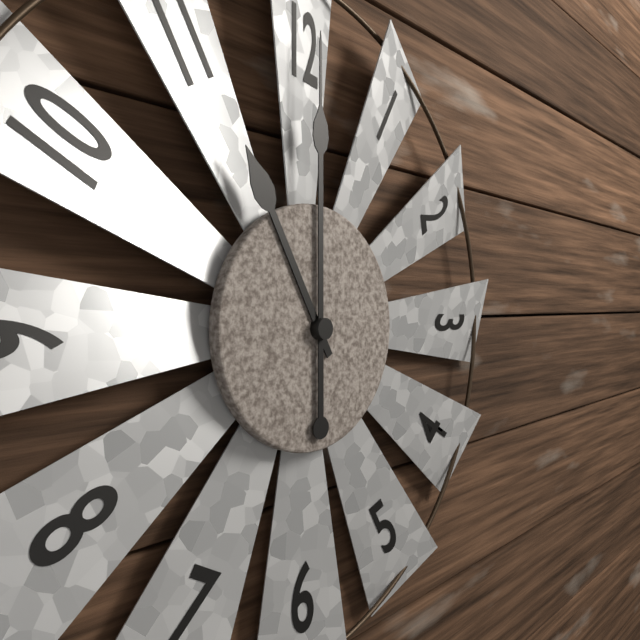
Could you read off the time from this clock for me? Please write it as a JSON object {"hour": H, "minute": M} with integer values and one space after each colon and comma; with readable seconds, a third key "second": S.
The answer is {"hour": 11, "minute": 0}
